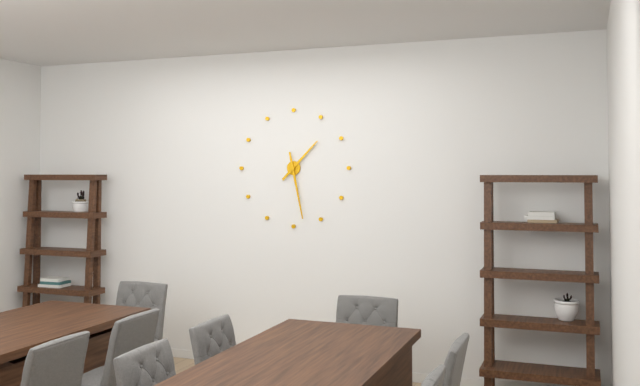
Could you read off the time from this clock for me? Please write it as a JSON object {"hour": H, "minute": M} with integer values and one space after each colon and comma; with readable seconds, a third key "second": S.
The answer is {"hour": 1, "minute": 28}
